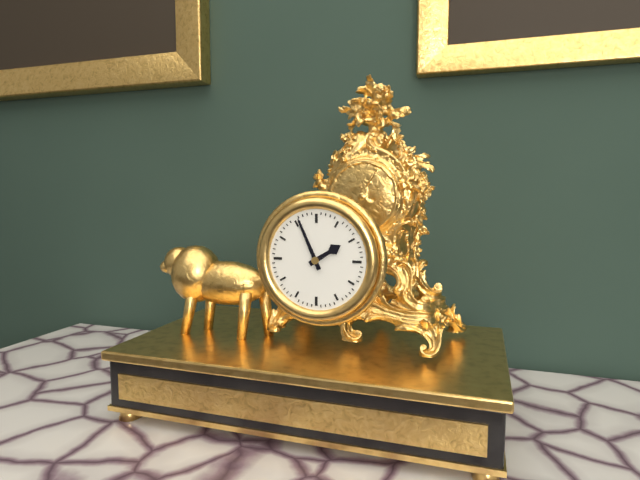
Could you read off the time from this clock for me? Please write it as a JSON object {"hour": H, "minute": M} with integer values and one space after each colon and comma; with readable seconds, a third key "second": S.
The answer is {"hour": 1, "minute": 56}
